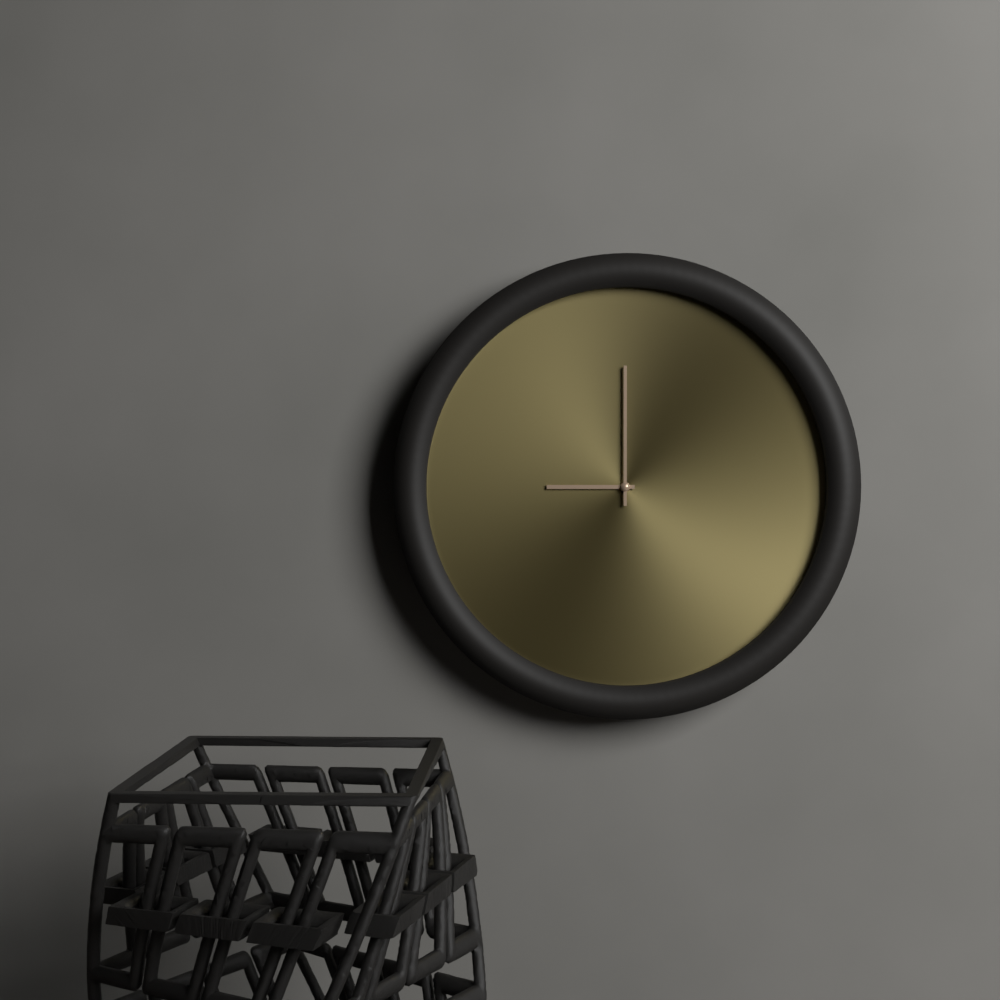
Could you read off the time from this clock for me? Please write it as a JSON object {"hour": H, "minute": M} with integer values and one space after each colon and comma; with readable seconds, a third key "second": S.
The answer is {"hour": 9, "minute": 0}
